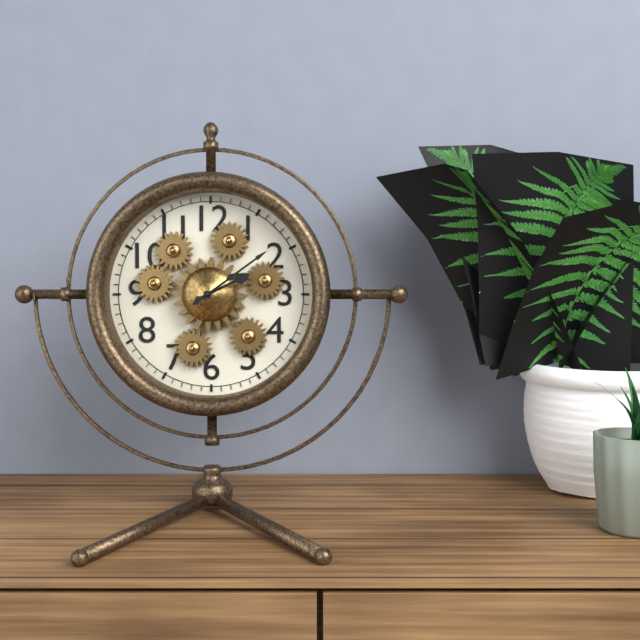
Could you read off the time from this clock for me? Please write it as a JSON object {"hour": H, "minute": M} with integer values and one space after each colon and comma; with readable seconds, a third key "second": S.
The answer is {"hour": 2, "minute": 9}
